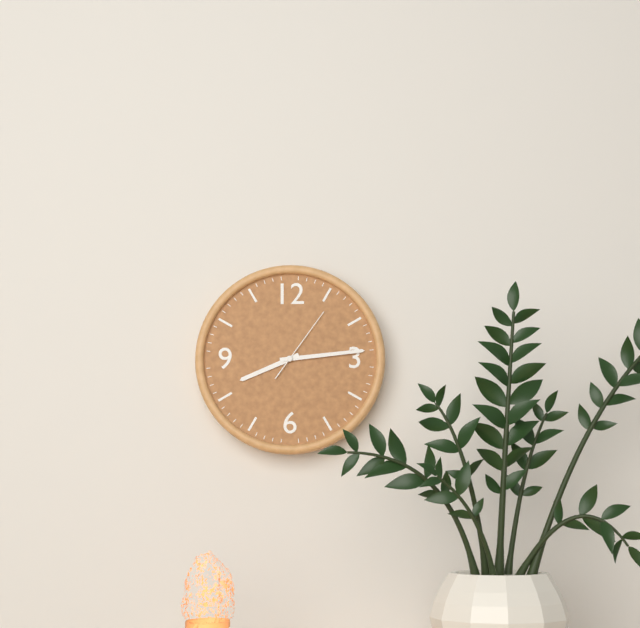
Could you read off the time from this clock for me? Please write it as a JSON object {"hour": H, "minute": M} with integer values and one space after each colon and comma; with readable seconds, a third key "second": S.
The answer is {"hour": 8, "minute": 14, "second": 6}
